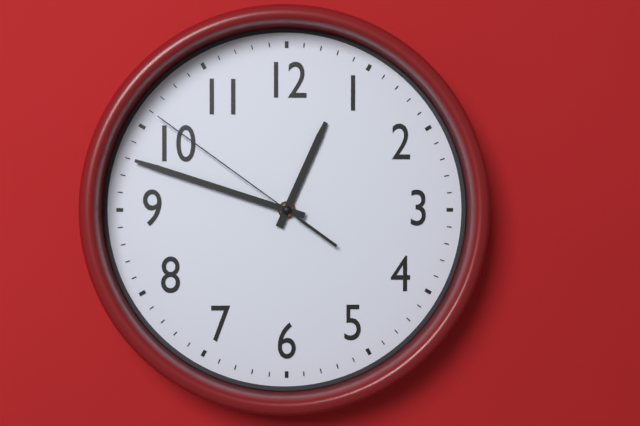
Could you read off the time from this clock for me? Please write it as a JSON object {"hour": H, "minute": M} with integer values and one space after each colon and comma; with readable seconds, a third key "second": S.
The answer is {"hour": 12, "minute": 48, "second": 51}
